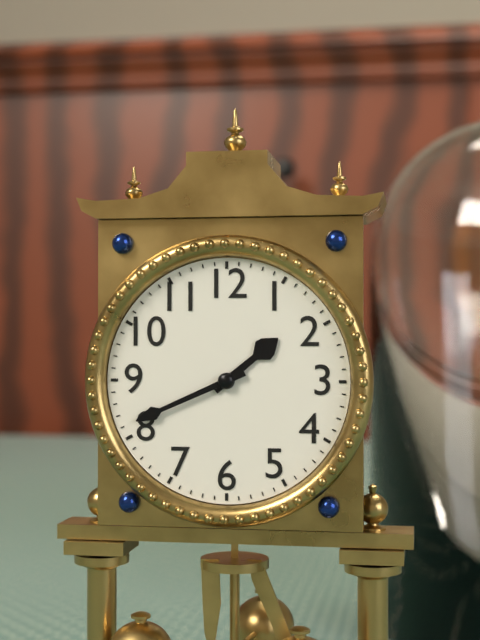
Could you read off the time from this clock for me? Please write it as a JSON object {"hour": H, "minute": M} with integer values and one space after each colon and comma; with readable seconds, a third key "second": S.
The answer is {"hour": 1, "minute": 41}
